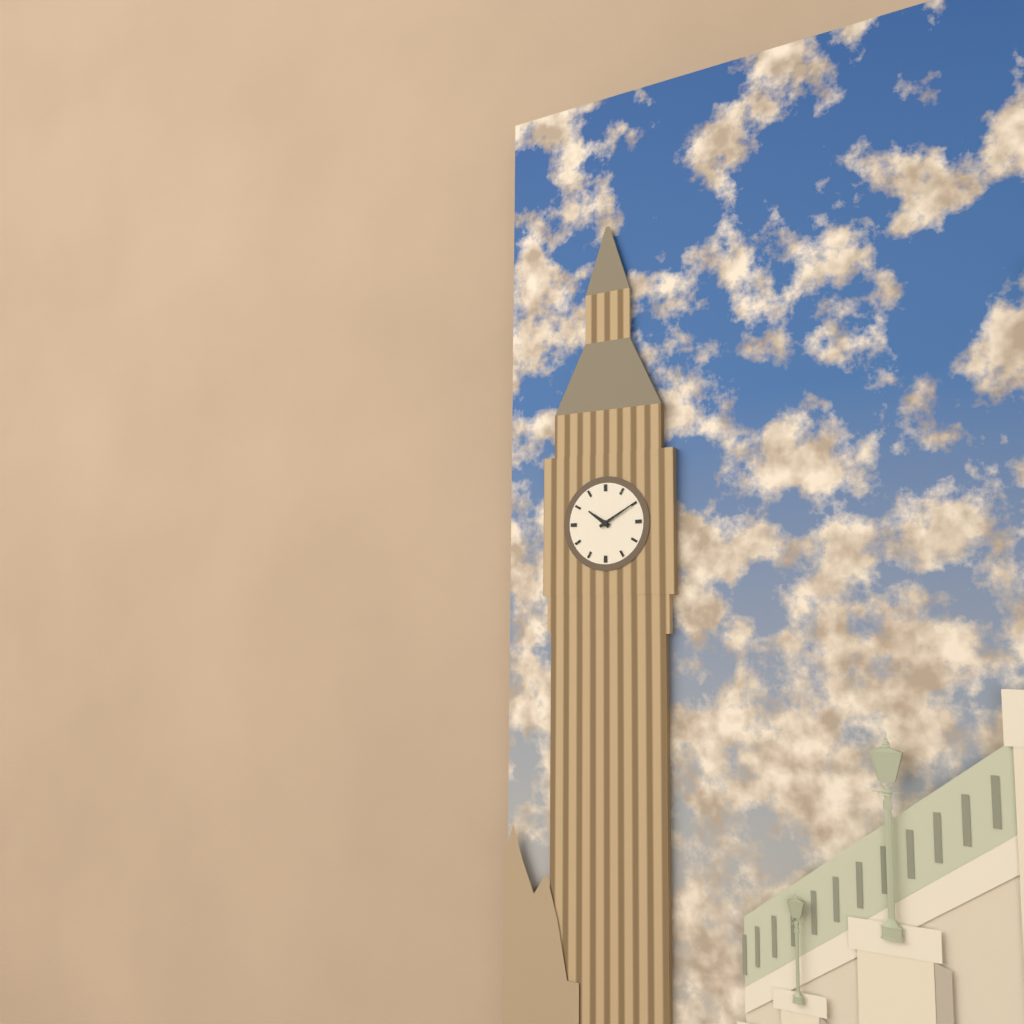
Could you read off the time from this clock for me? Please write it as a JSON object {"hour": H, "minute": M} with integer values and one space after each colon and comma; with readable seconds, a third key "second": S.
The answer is {"hour": 10, "minute": 10}
